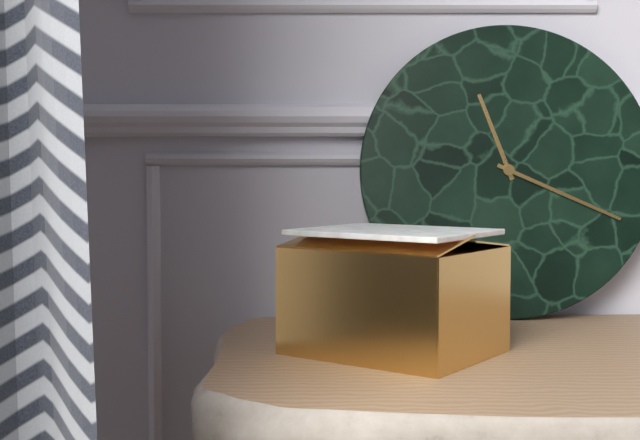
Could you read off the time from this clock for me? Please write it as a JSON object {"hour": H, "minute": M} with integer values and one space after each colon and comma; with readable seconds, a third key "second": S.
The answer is {"hour": 11, "minute": 19}
